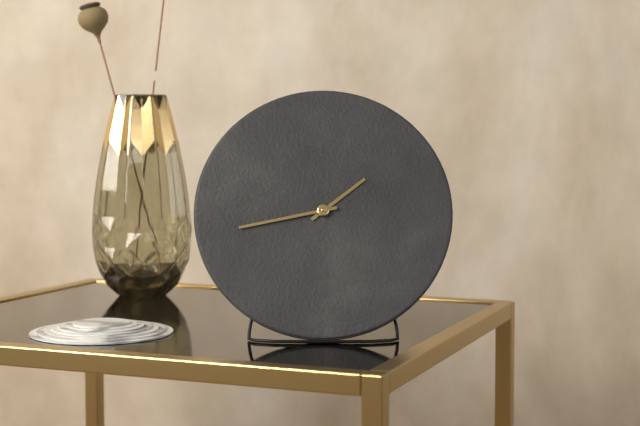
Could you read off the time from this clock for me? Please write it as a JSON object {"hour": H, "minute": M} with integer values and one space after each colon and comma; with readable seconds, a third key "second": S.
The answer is {"hour": 1, "minute": 43}
